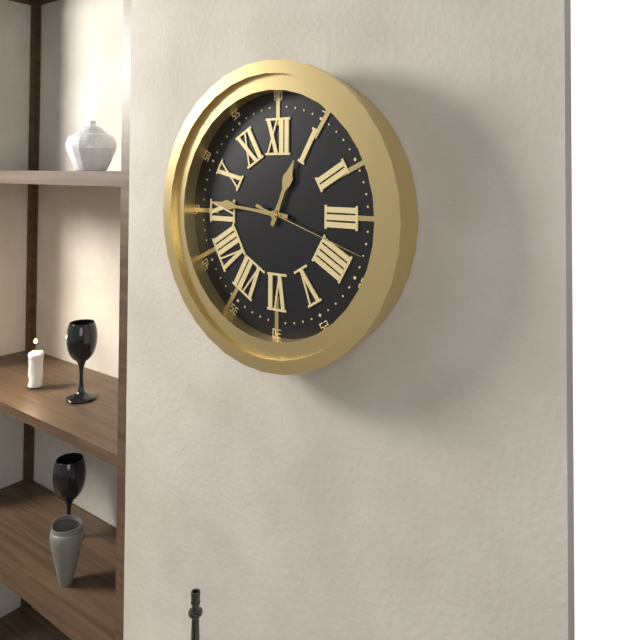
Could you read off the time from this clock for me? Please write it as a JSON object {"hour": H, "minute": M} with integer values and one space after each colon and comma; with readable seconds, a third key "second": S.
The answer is {"hour": 12, "minute": 46, "second": 18}
